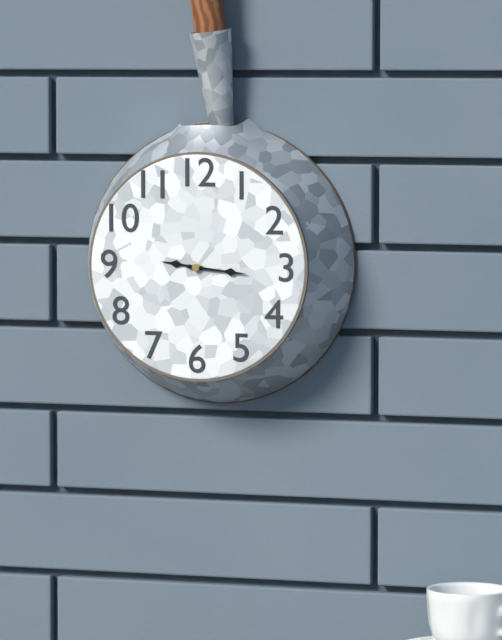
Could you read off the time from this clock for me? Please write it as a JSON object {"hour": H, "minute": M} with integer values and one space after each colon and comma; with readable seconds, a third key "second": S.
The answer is {"hour": 9, "minute": 16}
